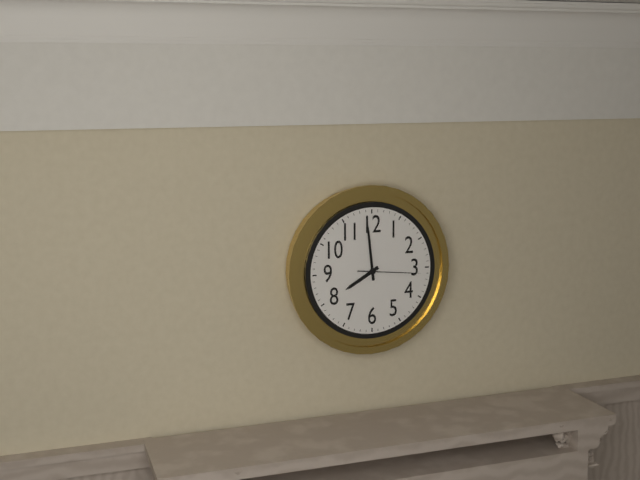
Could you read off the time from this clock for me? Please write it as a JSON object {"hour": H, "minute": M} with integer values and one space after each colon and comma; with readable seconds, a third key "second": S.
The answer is {"hour": 7, "minute": 59, "second": 16}
